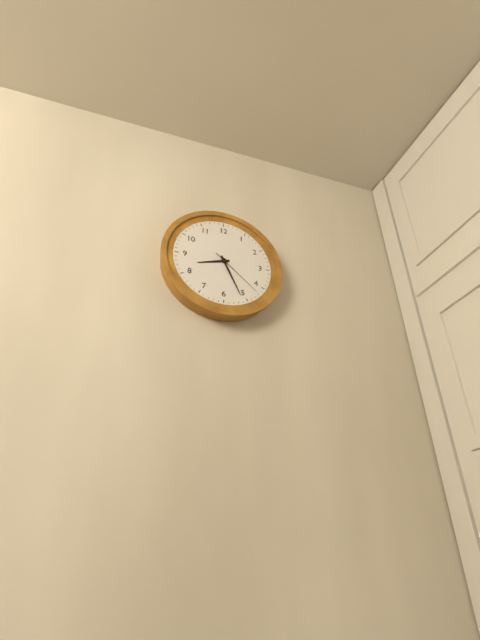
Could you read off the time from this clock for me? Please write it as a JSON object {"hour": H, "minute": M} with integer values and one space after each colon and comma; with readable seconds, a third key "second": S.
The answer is {"hour": 8, "minute": 26, "second": 22}
